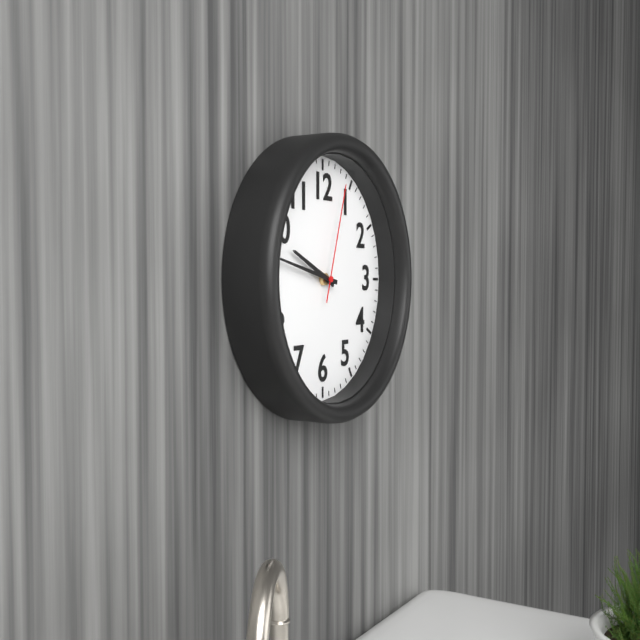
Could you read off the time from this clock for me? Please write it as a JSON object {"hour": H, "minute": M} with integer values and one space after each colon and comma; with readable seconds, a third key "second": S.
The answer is {"hour": 9, "minute": 47, "second": 3}
